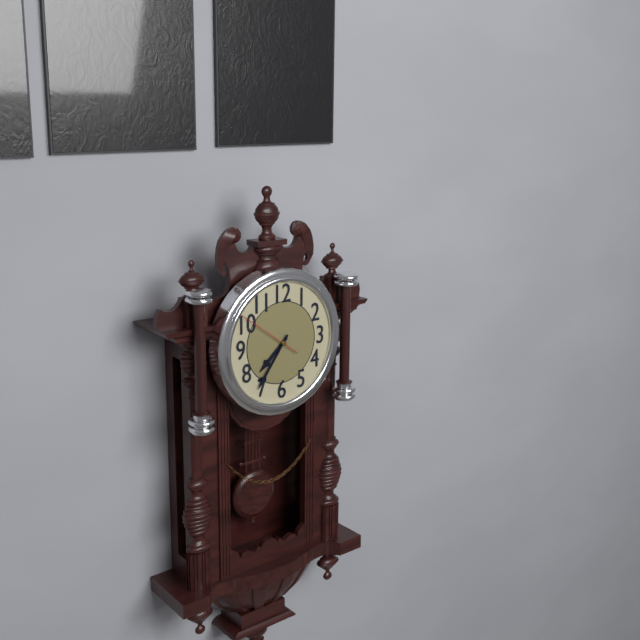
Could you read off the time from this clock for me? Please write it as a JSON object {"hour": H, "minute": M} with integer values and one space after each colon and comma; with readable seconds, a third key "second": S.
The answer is {"hour": 7, "minute": 36, "second": 51}
